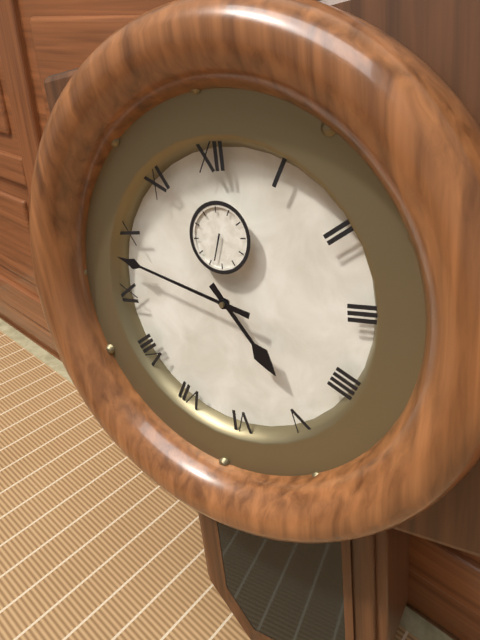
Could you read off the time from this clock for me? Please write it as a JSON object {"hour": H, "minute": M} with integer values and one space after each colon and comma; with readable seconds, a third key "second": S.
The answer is {"hour": 4, "minute": 48}
